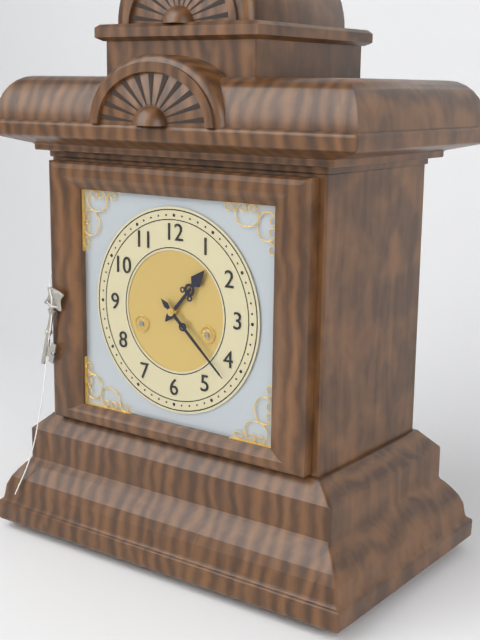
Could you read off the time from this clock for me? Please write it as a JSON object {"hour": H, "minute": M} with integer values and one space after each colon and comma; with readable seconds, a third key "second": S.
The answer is {"hour": 1, "minute": 22}
